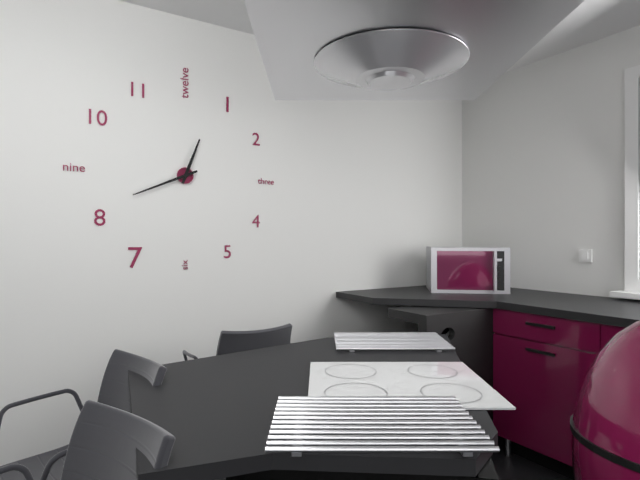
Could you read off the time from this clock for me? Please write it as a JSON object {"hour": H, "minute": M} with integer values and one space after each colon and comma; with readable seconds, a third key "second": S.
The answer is {"hour": 12, "minute": 41}
